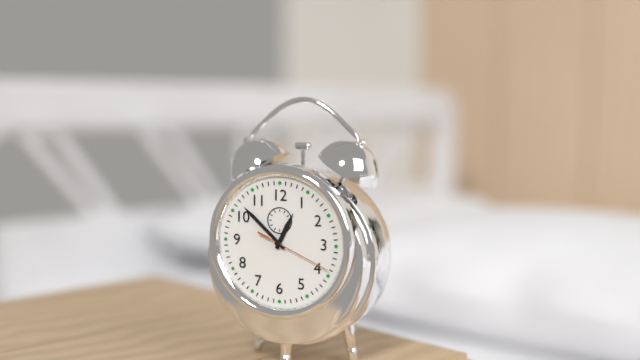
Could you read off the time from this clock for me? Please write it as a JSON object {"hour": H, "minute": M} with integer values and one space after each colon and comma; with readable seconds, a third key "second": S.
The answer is {"hour": 12, "minute": 52, "second": 19}
